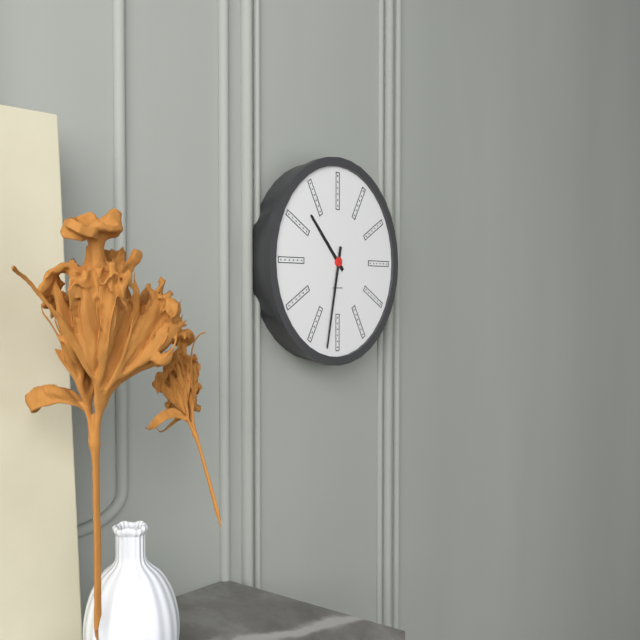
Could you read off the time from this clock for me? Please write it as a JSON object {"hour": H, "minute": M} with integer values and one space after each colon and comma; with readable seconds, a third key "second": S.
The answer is {"hour": 10, "minute": 32}
